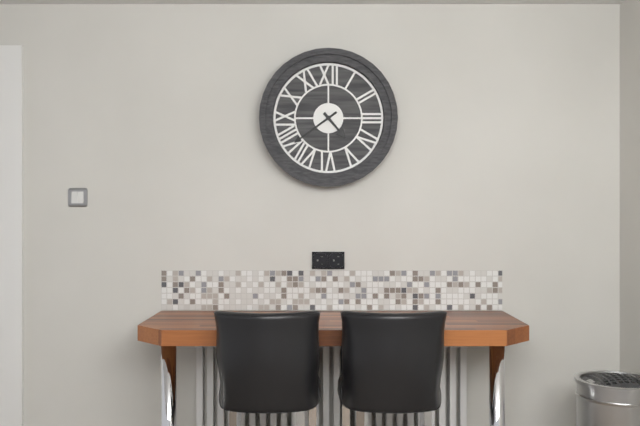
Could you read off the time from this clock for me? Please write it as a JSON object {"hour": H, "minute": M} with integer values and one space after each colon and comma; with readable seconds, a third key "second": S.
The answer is {"hour": 4, "minute": 39}
